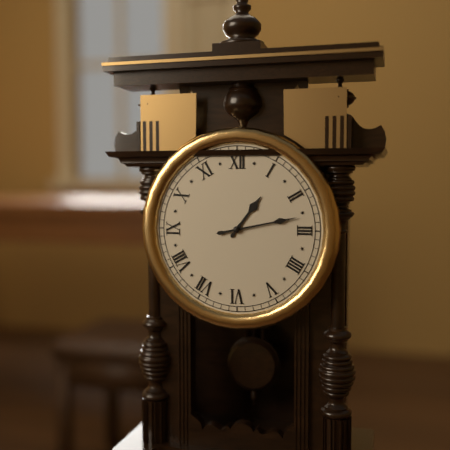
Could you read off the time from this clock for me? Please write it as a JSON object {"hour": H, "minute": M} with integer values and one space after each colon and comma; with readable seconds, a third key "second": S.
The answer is {"hour": 1, "minute": 13}
